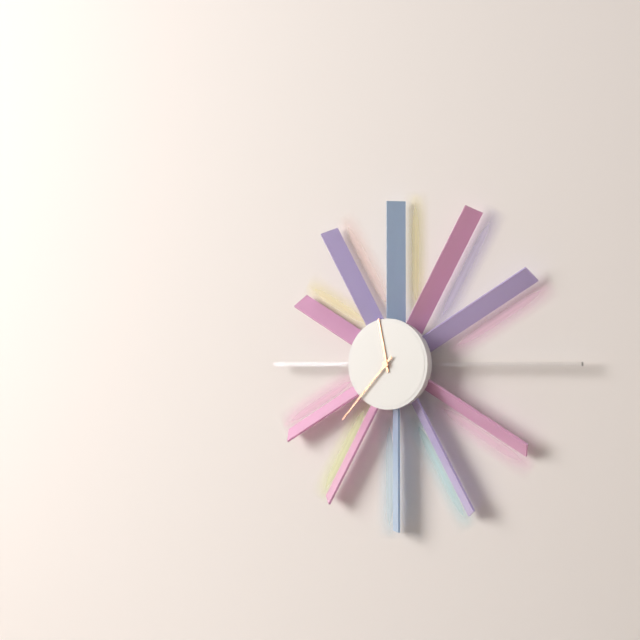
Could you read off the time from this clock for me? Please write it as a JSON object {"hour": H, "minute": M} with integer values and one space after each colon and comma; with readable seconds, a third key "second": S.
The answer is {"hour": 11, "minute": 37}
